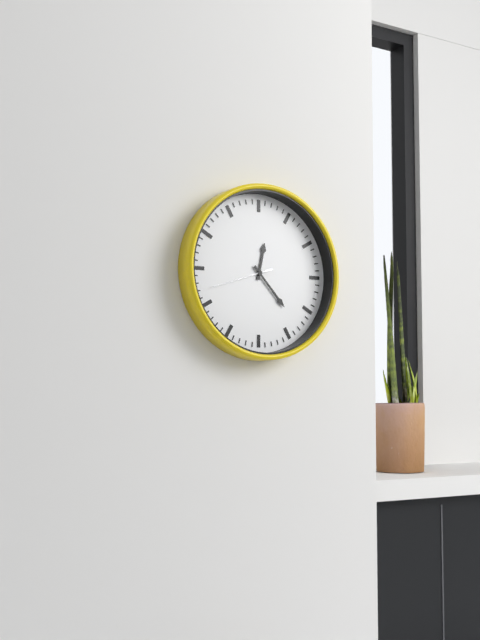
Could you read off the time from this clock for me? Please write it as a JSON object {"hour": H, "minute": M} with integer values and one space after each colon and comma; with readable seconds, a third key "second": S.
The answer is {"hour": 12, "minute": 23, "second": 42}
